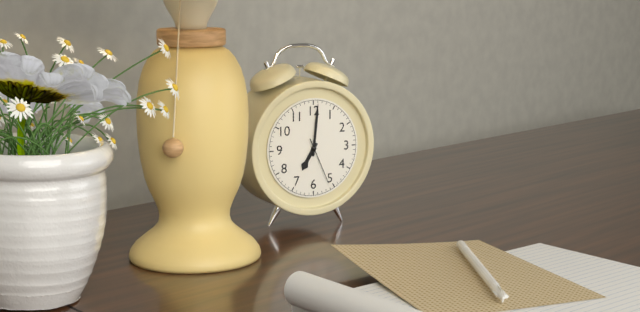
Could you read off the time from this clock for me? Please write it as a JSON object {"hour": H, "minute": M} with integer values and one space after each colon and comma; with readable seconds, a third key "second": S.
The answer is {"hour": 7, "minute": 1}
